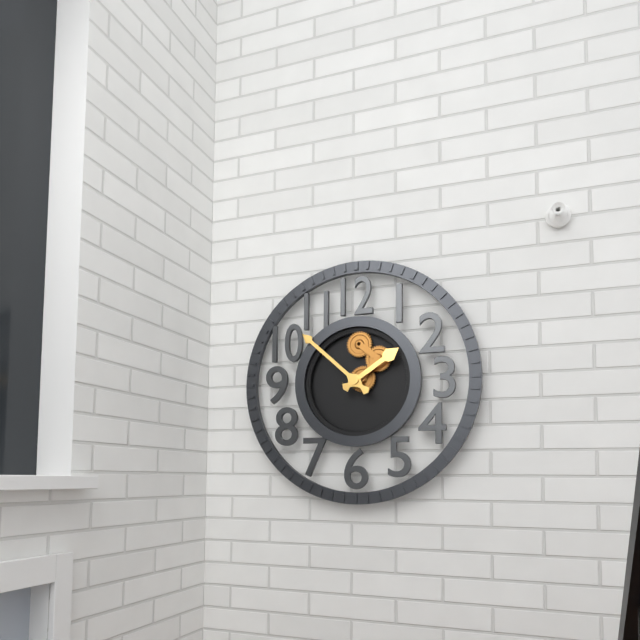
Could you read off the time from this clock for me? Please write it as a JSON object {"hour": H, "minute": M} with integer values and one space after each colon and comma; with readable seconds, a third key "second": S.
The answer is {"hour": 1, "minute": 52}
